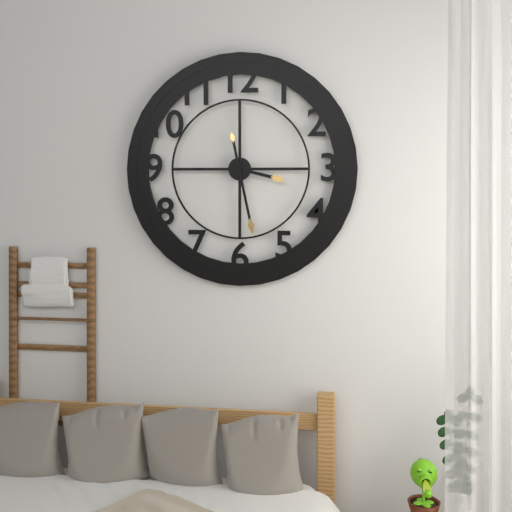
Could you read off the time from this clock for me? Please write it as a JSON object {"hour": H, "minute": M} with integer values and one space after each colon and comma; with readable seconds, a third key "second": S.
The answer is {"hour": 3, "minute": 28}
